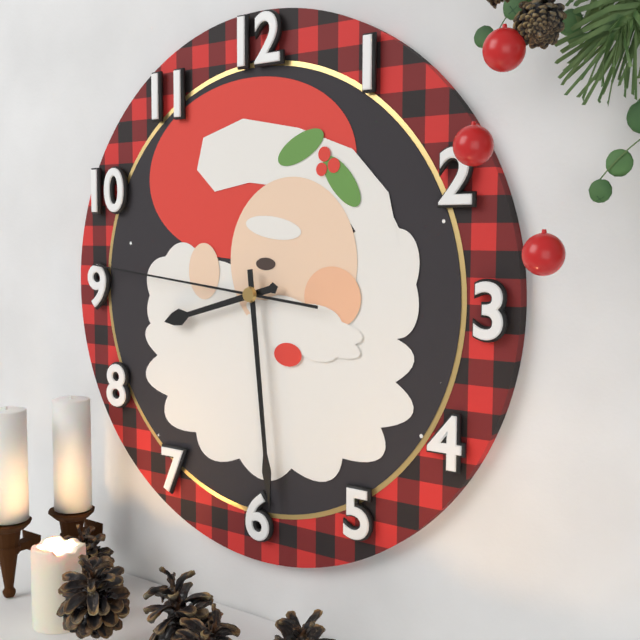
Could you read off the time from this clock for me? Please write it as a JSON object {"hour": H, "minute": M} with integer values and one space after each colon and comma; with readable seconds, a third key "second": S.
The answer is {"hour": 8, "minute": 29, "second": 46}
